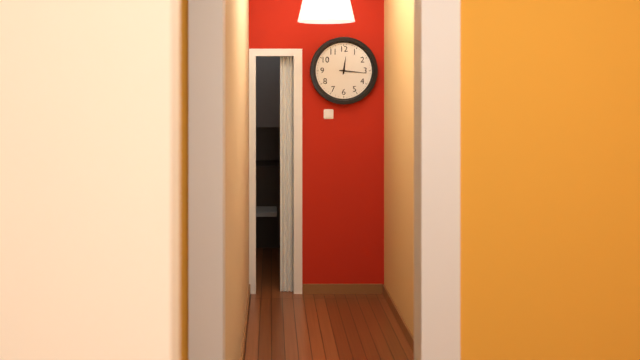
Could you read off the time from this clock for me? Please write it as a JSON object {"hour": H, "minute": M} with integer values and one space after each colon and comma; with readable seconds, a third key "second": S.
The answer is {"hour": 12, "minute": 16}
